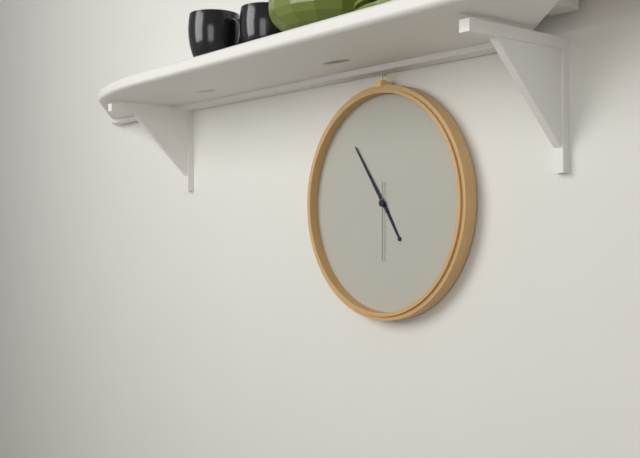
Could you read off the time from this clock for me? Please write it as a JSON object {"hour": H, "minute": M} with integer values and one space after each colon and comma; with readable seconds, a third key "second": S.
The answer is {"hour": 4, "minute": 54, "second": 30}
